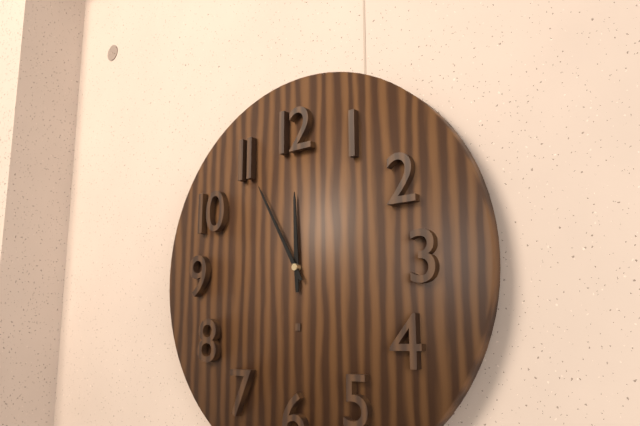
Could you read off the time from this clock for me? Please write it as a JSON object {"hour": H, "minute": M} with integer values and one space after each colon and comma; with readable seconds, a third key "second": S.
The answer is {"hour": 11, "minute": 55}
